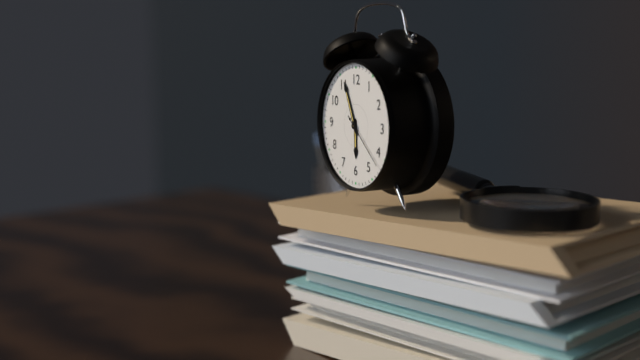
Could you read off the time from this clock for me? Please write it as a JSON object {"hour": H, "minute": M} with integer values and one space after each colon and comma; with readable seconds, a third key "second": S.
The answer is {"hour": 5, "minute": 56, "second": 22}
